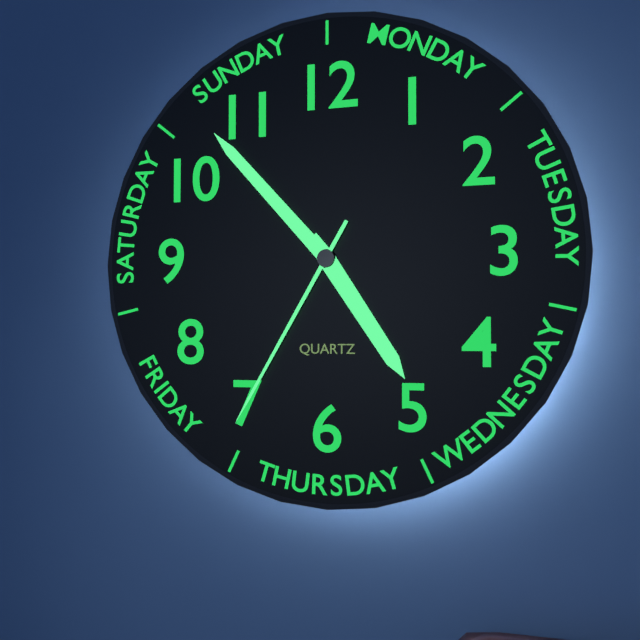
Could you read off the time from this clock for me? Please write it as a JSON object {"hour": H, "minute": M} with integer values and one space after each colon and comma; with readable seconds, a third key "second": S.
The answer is {"hour": 4, "minute": 53, "second": 35}
